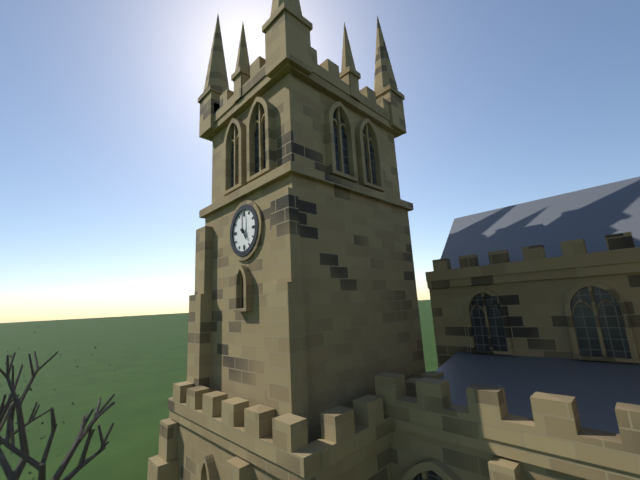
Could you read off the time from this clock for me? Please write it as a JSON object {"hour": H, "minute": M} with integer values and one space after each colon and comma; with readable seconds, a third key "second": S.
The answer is {"hour": 5, "minute": 0}
